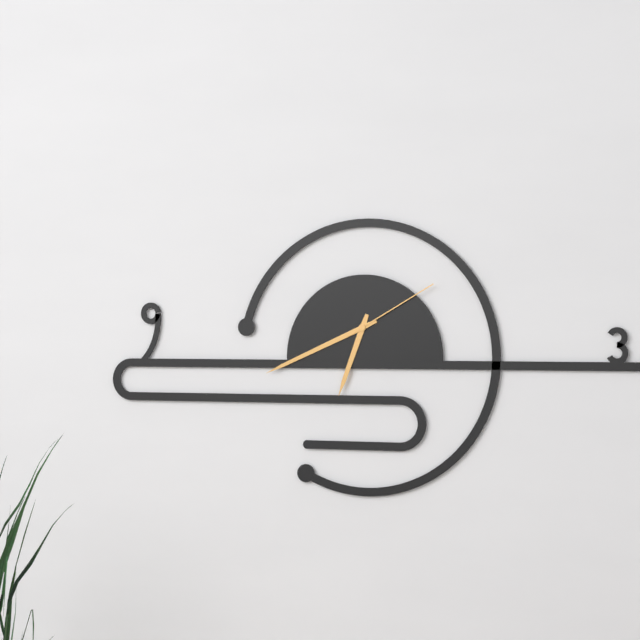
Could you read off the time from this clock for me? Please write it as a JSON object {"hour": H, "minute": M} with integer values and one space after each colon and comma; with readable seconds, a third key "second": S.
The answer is {"hour": 6, "minute": 41, "second": 10}
